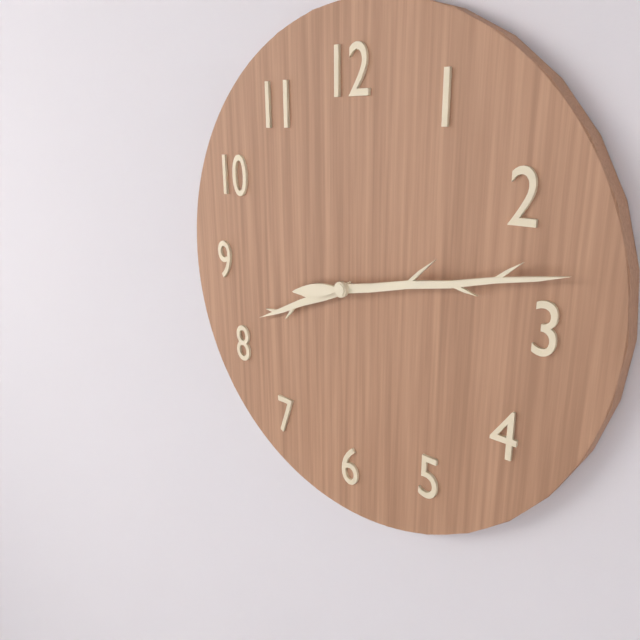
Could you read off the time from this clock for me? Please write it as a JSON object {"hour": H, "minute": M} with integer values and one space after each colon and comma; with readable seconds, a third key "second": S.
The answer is {"hour": 8, "minute": 13}
